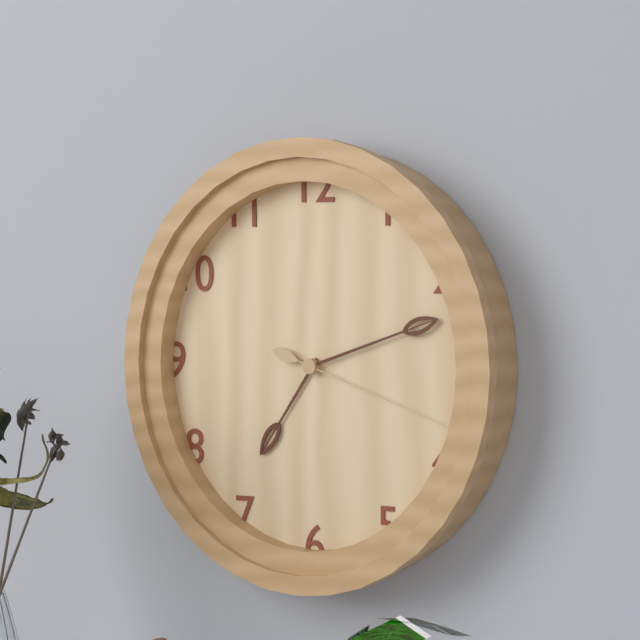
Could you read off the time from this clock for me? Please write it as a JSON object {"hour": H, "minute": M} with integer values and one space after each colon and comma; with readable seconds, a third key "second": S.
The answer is {"hour": 7, "minute": 12, "second": 18}
